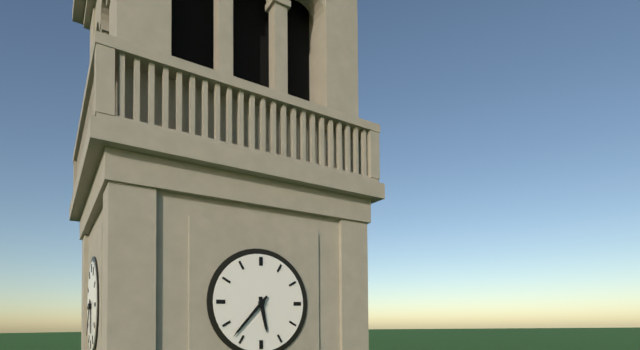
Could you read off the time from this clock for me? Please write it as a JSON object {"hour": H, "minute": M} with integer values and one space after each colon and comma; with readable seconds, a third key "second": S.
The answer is {"hour": 5, "minute": 37}
